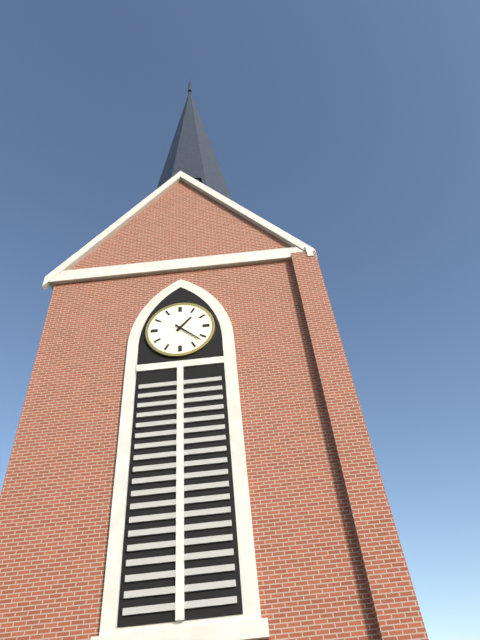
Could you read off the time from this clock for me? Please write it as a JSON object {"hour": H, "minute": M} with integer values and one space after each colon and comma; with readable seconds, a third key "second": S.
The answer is {"hour": 1, "minute": 22}
